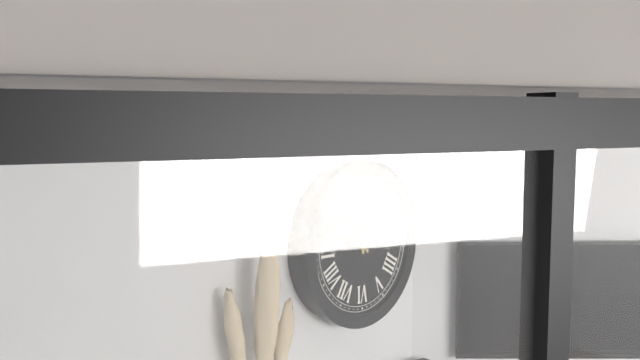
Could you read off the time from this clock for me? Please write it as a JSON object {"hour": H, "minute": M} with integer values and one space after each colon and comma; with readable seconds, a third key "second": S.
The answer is {"hour": 11, "minute": 53}
